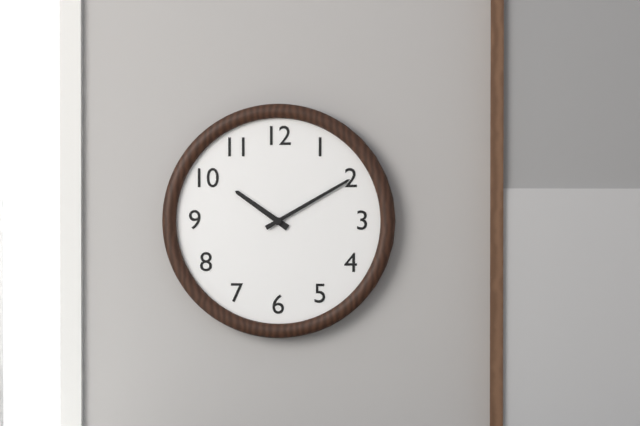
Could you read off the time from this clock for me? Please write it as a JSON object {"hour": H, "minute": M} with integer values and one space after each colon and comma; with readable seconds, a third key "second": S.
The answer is {"hour": 10, "minute": 10}
